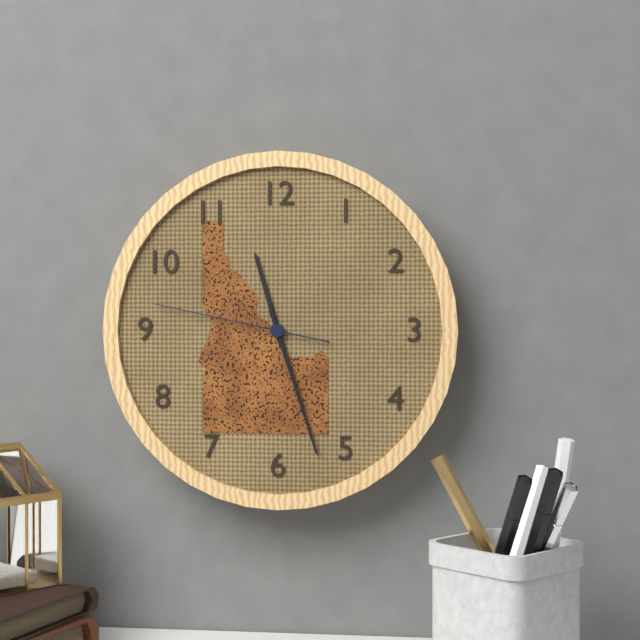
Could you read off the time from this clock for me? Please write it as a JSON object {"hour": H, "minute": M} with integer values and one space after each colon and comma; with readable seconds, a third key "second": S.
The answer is {"hour": 11, "minute": 27, "second": 47}
